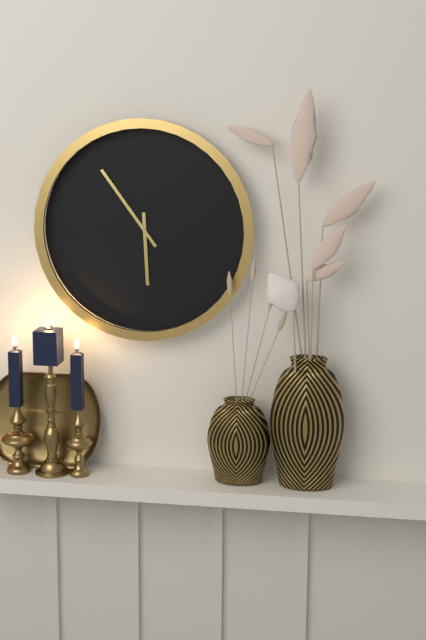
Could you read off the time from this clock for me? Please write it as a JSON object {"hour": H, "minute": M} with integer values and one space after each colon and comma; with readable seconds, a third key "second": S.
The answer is {"hour": 5, "minute": 54}
